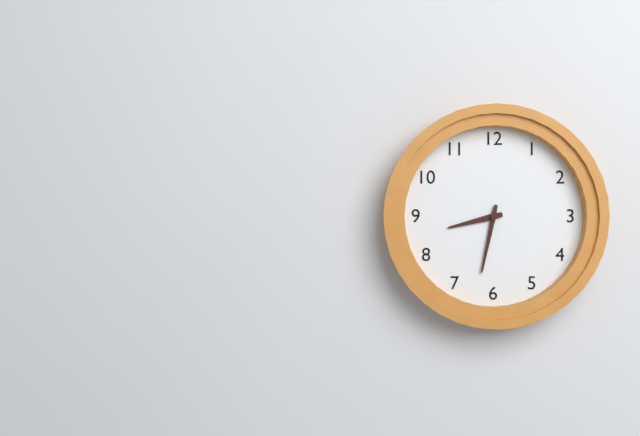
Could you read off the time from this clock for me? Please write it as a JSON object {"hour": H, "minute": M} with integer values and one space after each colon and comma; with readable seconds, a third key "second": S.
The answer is {"hour": 8, "minute": 32}
